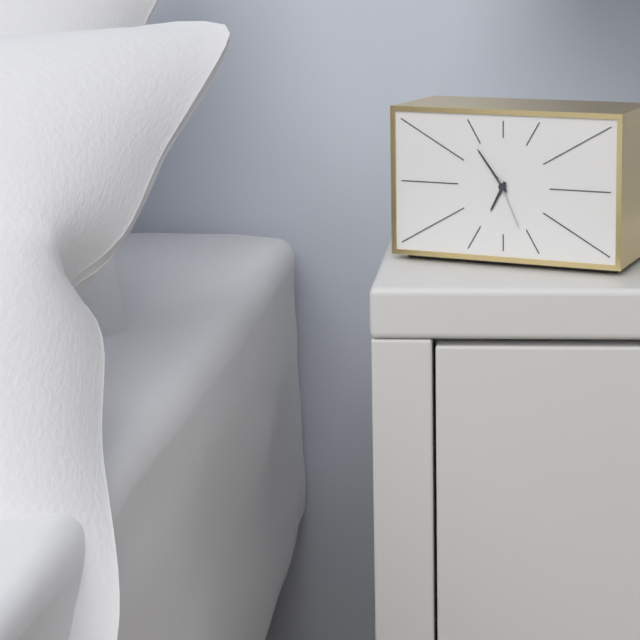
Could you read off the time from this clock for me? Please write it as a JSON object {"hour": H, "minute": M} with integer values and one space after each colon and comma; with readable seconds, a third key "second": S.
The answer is {"hour": 6, "minute": 54, "second": 26}
